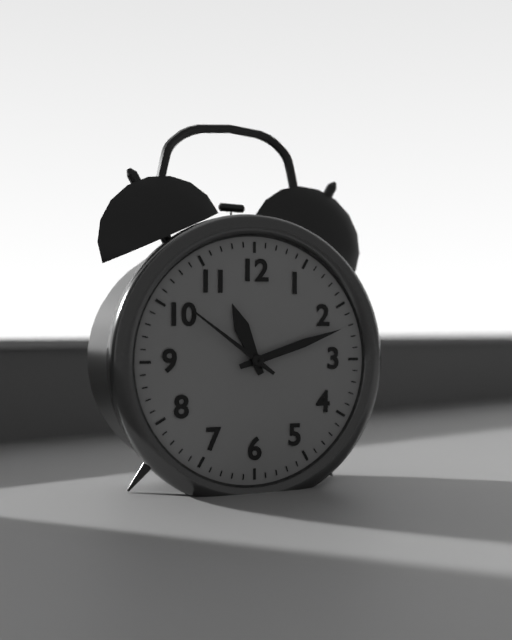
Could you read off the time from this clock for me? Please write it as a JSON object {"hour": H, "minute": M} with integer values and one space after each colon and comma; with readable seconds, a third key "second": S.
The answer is {"hour": 11, "minute": 12, "second": 51}
